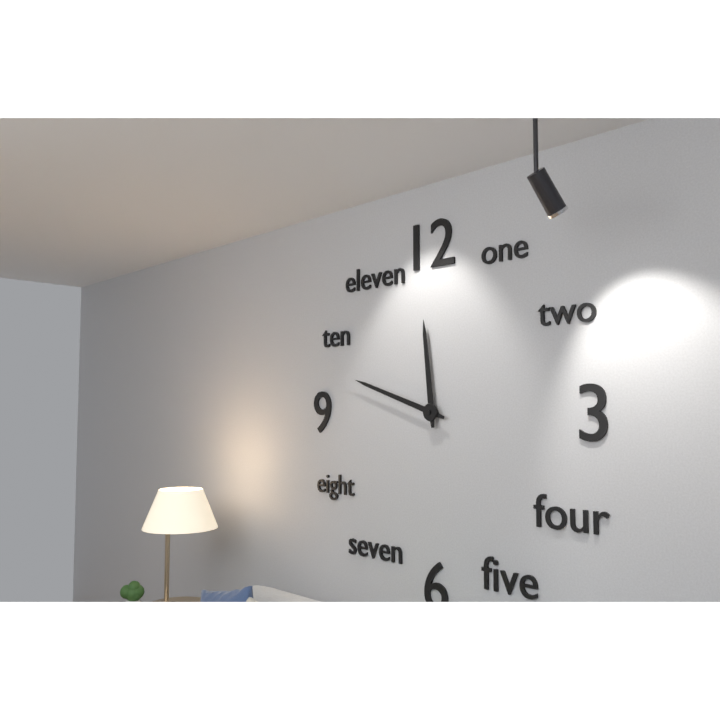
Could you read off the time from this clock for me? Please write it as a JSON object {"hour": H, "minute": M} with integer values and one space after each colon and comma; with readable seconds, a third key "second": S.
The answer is {"hour": 11, "minute": 48}
